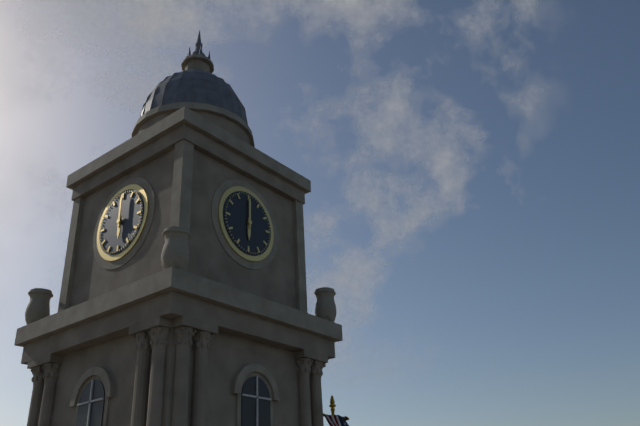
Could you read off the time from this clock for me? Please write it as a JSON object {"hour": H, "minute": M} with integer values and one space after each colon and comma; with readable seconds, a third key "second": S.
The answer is {"hour": 6, "minute": 0}
